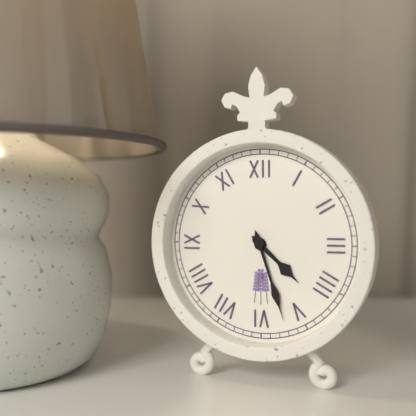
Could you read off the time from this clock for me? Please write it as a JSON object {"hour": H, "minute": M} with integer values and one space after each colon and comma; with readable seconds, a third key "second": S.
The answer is {"hour": 4, "minute": 27}
